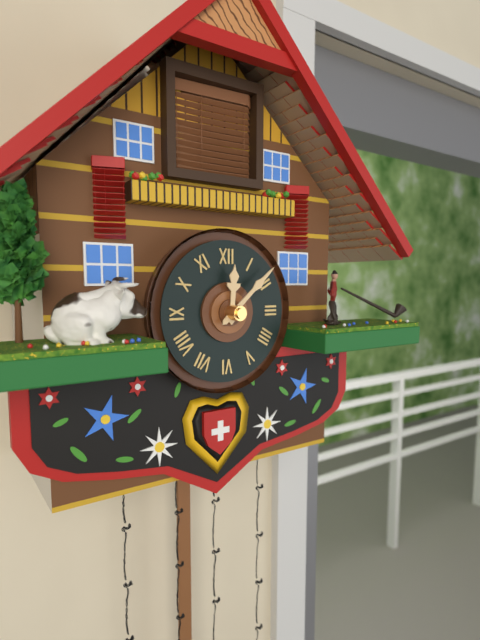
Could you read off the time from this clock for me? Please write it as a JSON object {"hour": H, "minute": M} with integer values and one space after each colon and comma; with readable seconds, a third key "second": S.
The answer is {"hour": 12, "minute": 8}
